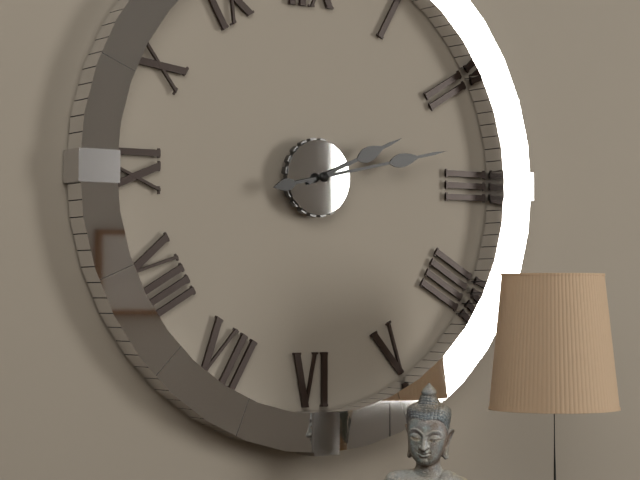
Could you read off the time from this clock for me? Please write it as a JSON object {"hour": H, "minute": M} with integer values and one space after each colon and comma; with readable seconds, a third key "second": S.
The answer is {"hour": 2, "minute": 13}
